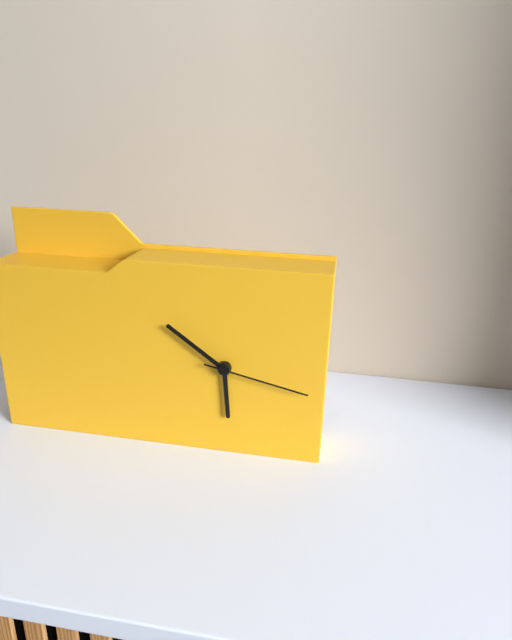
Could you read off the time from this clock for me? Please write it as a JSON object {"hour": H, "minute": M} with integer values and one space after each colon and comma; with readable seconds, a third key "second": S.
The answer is {"hour": 5, "minute": 51, "second": 17}
